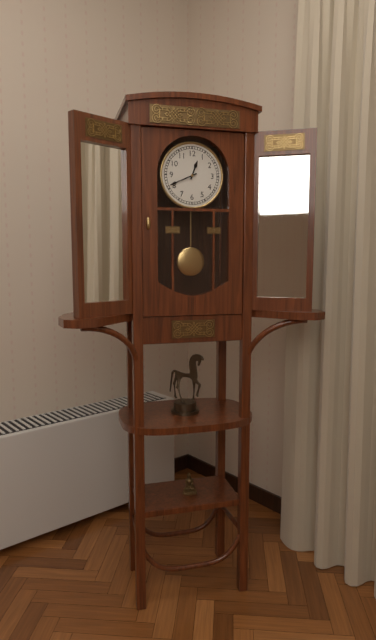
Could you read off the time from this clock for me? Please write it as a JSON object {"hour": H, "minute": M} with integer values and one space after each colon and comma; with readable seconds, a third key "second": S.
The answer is {"hour": 12, "minute": 41}
